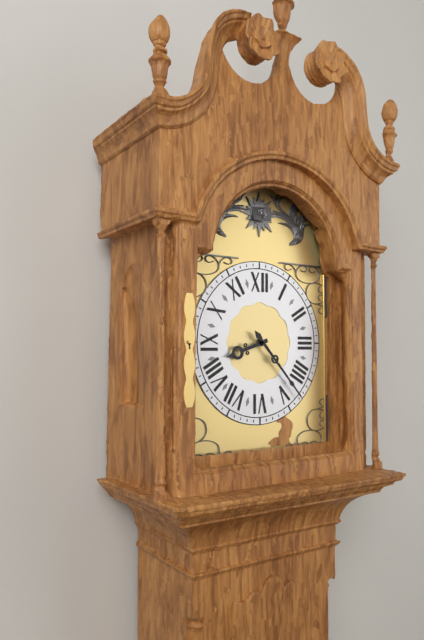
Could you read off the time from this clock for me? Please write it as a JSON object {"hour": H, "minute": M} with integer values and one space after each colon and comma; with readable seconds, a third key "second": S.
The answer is {"hour": 8, "minute": 23}
